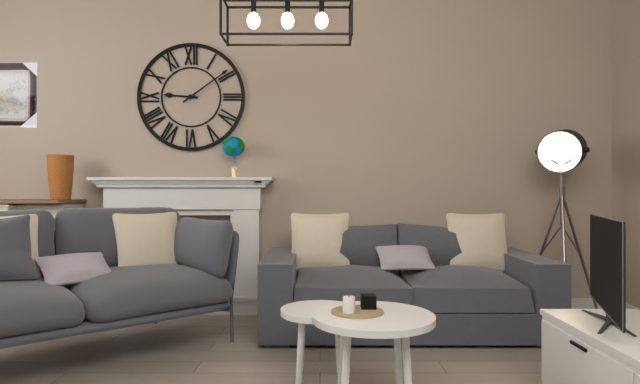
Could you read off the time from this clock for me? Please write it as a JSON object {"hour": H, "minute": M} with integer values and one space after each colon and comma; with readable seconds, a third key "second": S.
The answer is {"hour": 9, "minute": 9}
